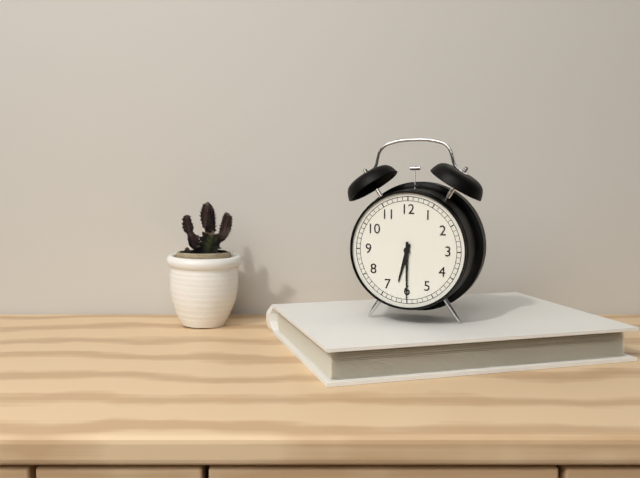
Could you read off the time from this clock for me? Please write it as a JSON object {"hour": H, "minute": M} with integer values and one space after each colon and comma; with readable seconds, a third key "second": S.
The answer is {"hour": 6, "minute": 30}
